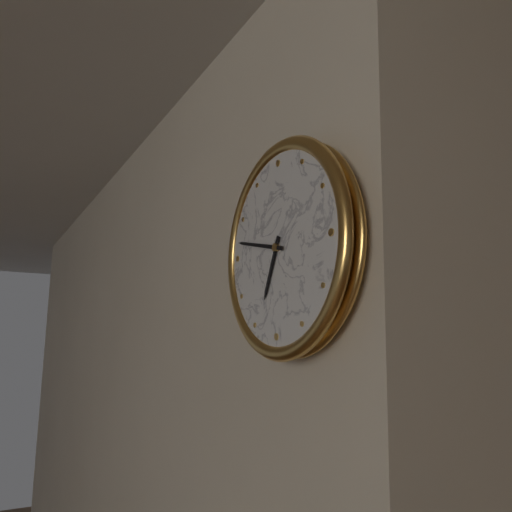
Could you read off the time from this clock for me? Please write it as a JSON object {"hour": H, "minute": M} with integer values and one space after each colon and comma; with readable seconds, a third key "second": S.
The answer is {"hour": 6, "minute": 47}
